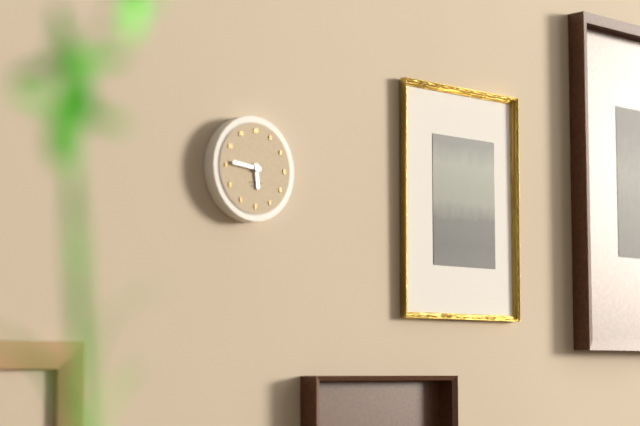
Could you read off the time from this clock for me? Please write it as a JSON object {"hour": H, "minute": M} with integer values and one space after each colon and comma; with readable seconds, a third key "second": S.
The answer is {"hour": 5, "minute": 46}
